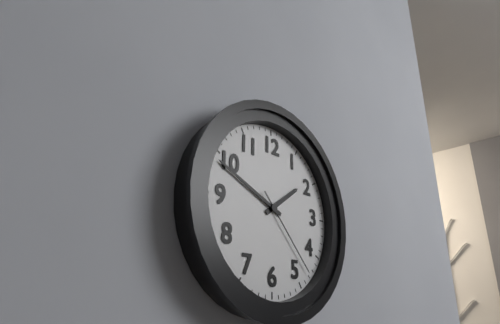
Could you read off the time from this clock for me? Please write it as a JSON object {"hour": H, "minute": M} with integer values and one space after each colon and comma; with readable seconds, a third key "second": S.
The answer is {"hour": 1, "minute": 49, "second": 23}
